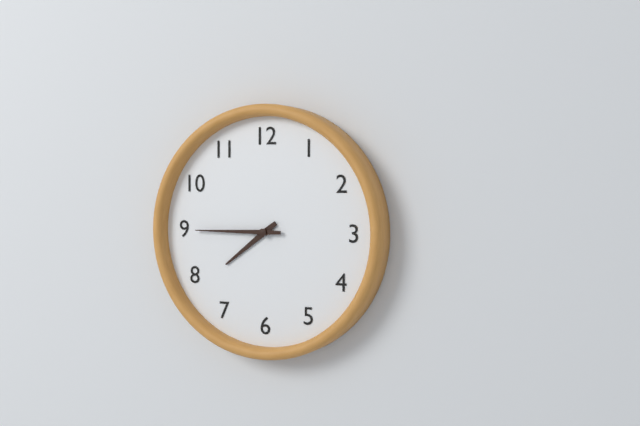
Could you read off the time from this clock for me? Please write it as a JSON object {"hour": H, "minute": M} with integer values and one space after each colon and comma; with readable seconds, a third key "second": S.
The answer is {"hour": 7, "minute": 45}
